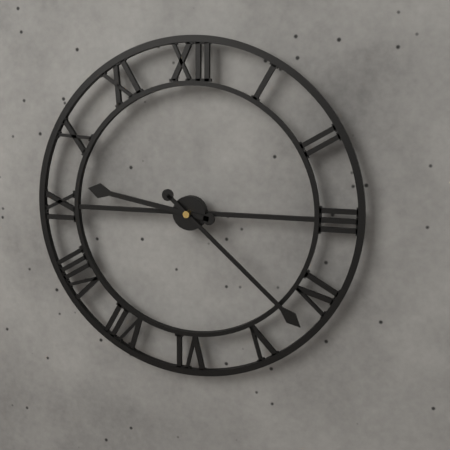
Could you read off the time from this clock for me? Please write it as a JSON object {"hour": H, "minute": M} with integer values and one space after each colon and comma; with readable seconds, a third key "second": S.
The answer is {"hour": 9, "minute": 22}
